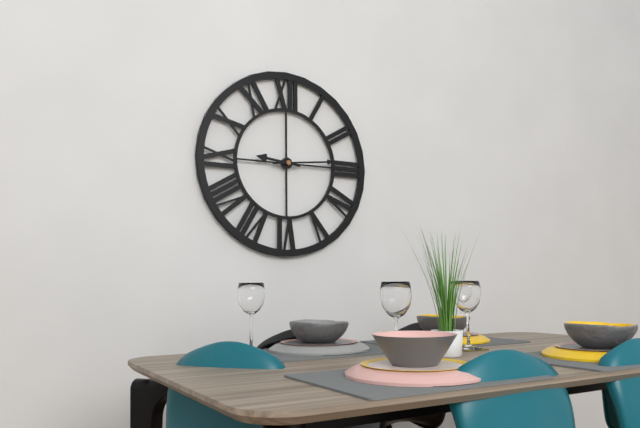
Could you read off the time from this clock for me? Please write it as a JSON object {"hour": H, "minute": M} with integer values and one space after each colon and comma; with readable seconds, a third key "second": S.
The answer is {"hour": 9, "minute": 14}
